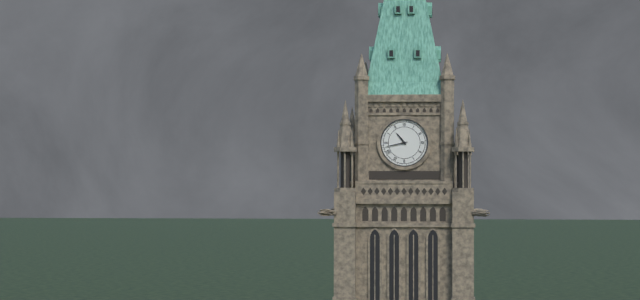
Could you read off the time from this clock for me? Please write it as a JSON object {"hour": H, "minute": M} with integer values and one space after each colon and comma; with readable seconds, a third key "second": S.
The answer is {"hour": 10, "minute": 43}
